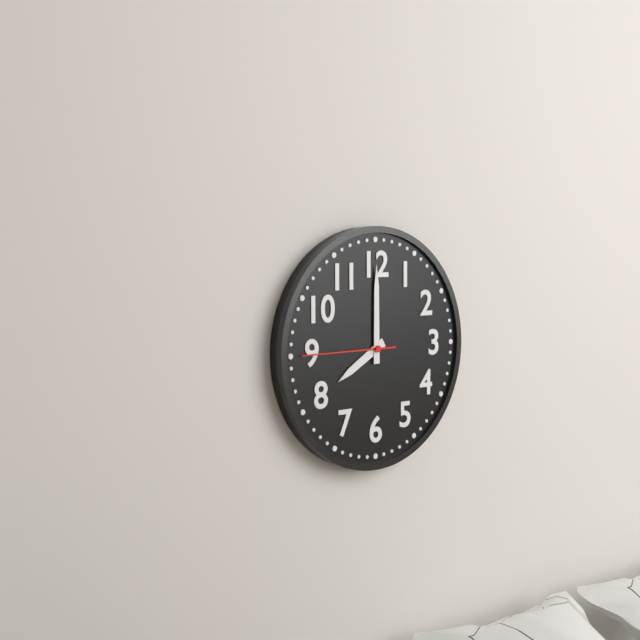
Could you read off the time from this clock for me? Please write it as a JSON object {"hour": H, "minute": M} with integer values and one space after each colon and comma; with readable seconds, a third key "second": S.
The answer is {"hour": 8, "minute": 0, "second": 45}
